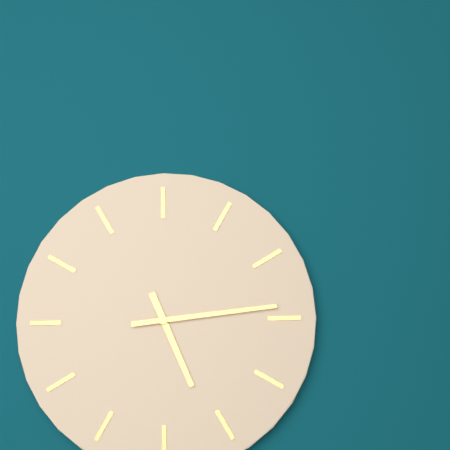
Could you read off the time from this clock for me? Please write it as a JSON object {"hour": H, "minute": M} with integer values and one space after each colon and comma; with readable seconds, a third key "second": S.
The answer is {"hour": 5, "minute": 14}
